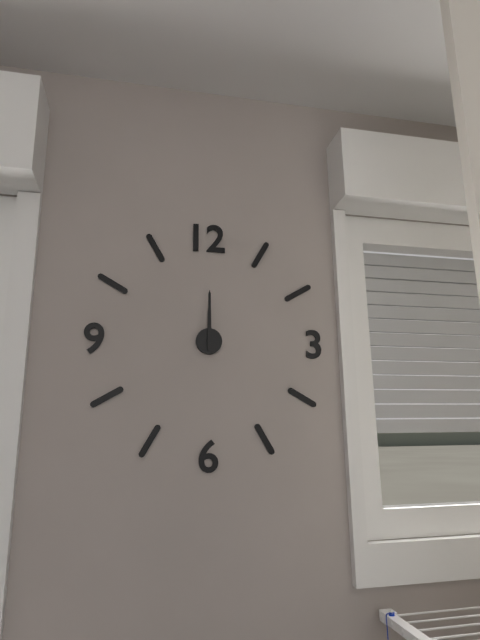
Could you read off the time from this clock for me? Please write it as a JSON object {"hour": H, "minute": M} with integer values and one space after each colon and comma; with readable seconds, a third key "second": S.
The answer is {"hour": 12, "minute": 0}
